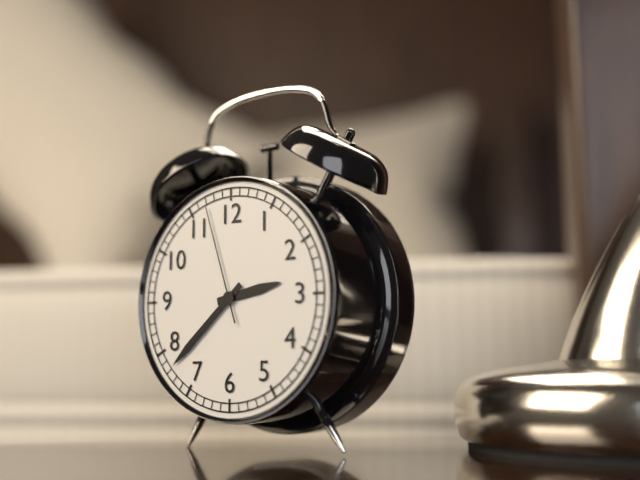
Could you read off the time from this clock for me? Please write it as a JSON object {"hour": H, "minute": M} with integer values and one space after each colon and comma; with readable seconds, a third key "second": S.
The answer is {"hour": 2, "minute": 38, "second": 57}
